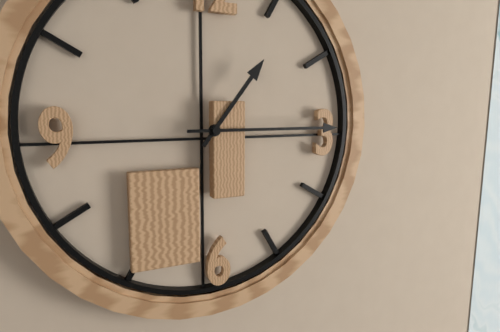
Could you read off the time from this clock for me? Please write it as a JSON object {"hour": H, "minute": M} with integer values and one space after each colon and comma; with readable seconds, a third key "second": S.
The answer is {"hour": 1, "minute": 15}
